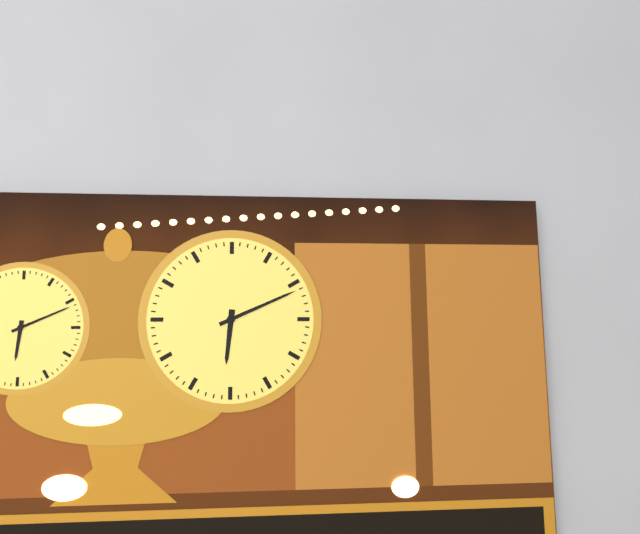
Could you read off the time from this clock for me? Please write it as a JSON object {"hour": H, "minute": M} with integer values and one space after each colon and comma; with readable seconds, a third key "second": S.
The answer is {"hour": 6, "minute": 11}
